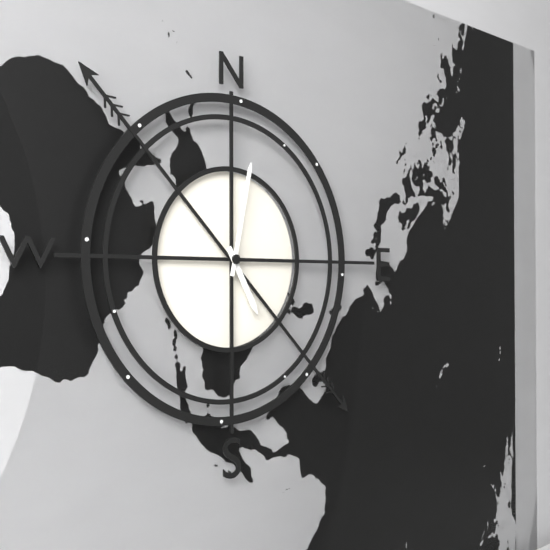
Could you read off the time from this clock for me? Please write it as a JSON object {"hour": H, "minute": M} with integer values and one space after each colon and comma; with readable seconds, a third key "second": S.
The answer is {"hour": 5, "minute": 2}
